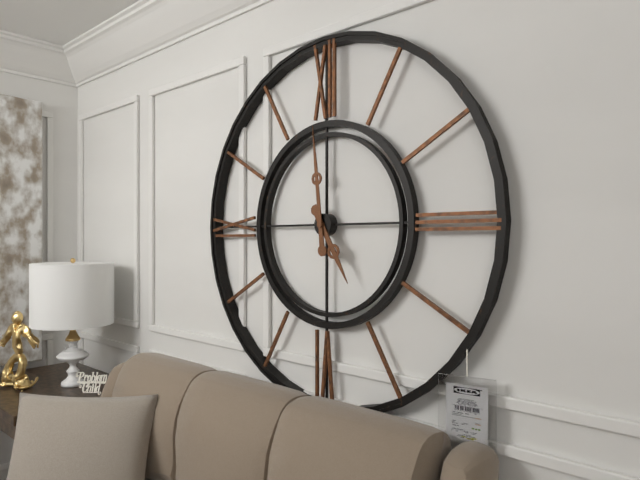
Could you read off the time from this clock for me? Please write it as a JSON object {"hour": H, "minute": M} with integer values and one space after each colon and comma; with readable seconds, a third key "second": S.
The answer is {"hour": 4, "minute": 59}
